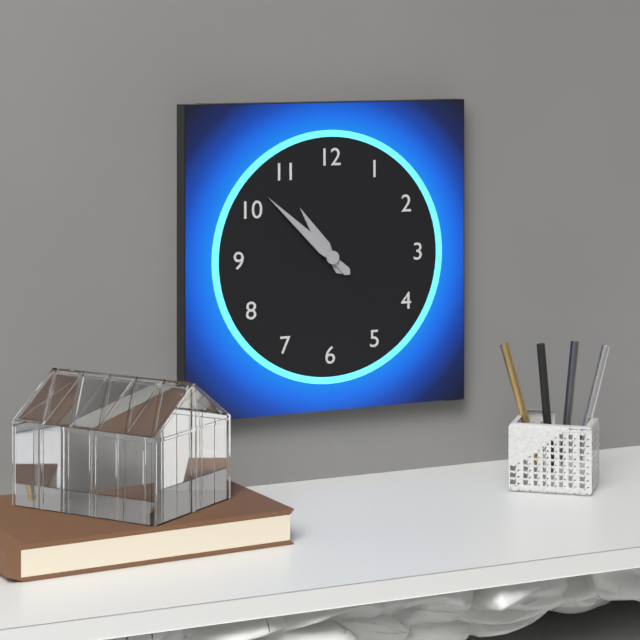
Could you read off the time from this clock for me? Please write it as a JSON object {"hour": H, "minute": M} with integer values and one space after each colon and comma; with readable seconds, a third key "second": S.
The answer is {"hour": 10, "minute": 52}
